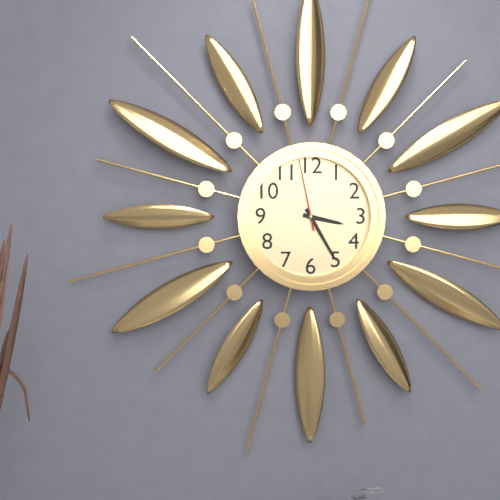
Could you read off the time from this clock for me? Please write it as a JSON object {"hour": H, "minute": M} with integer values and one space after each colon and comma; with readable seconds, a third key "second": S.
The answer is {"hour": 3, "minute": 25, "second": 58}
